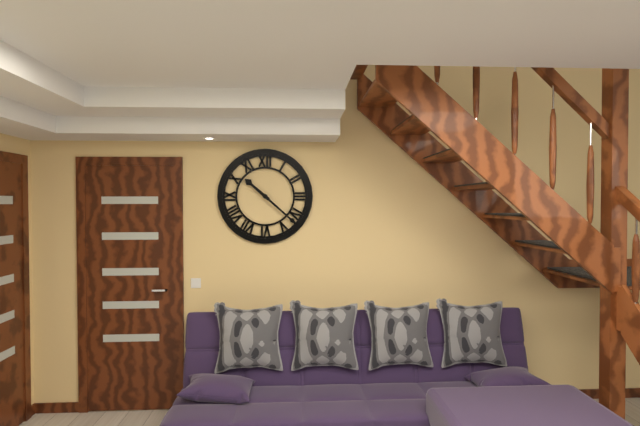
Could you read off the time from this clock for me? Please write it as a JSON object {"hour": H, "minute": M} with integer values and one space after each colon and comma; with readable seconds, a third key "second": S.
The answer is {"hour": 10, "minute": 22}
